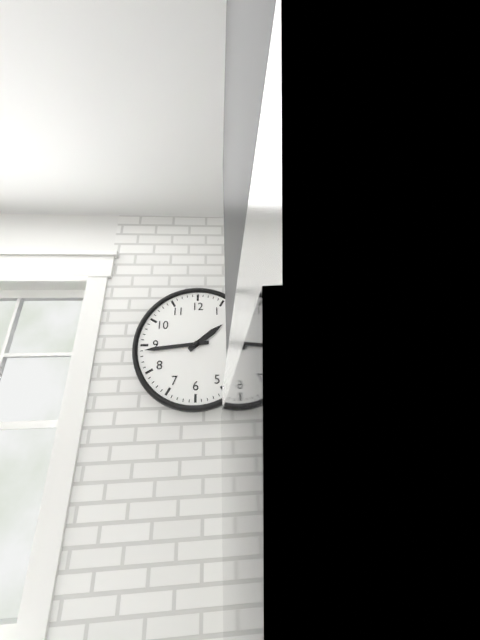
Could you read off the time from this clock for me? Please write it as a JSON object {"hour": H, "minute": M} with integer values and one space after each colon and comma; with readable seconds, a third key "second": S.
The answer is {"hour": 1, "minute": 44}
